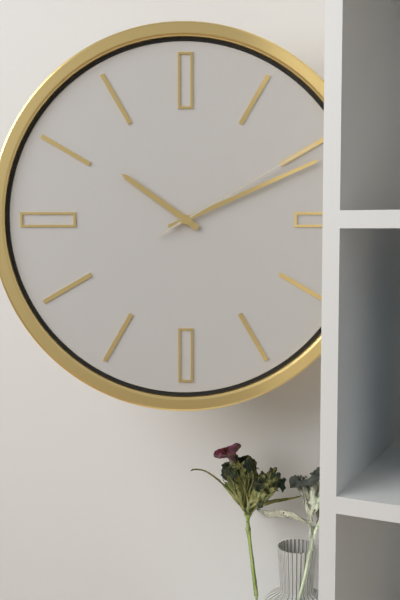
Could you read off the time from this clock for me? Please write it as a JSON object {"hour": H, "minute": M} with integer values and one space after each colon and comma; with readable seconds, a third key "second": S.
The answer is {"hour": 10, "minute": 11, "second": 10}
